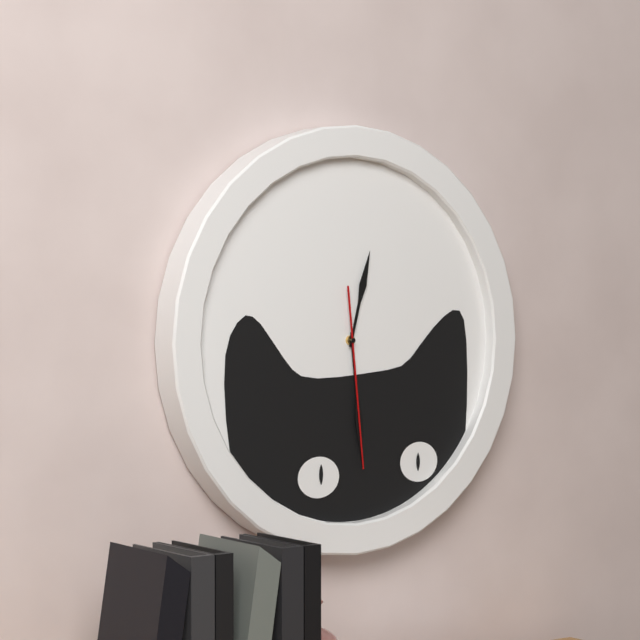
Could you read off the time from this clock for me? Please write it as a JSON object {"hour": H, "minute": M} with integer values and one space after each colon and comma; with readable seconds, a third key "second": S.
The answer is {"hour": 12, "minute": 29, "second": 29}
